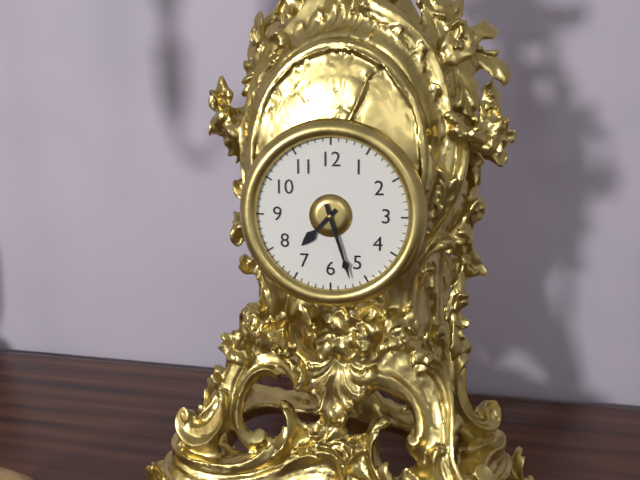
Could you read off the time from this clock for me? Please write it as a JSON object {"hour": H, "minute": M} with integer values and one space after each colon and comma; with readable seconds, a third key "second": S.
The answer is {"hour": 7, "minute": 27}
